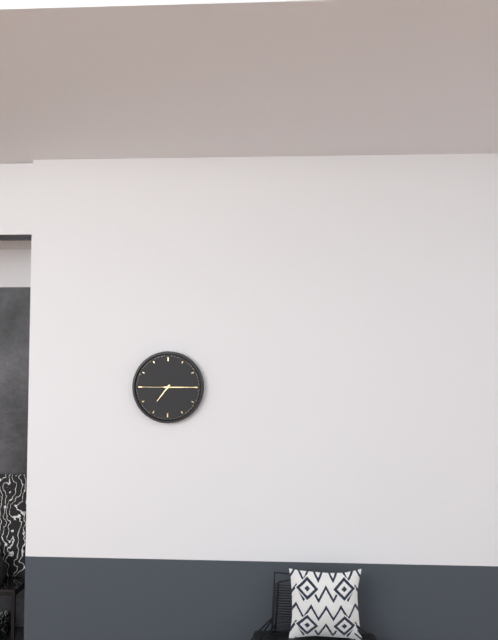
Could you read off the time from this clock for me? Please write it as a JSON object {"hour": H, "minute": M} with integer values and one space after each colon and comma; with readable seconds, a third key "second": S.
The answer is {"hour": 7, "minute": 15}
